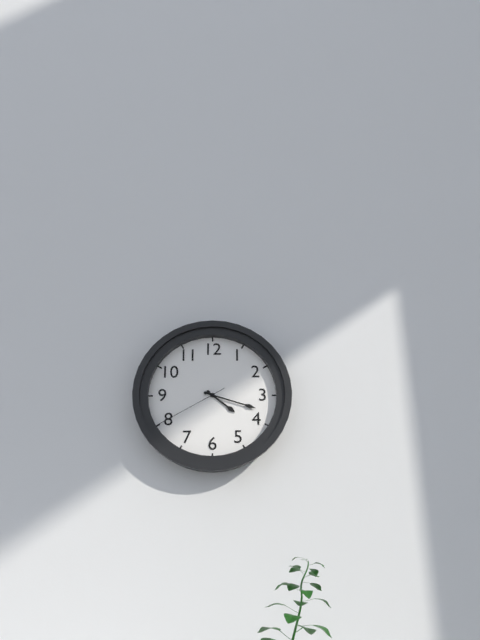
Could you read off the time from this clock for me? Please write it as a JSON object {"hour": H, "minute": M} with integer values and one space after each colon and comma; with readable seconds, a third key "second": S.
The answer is {"hour": 4, "minute": 18, "second": 40}
